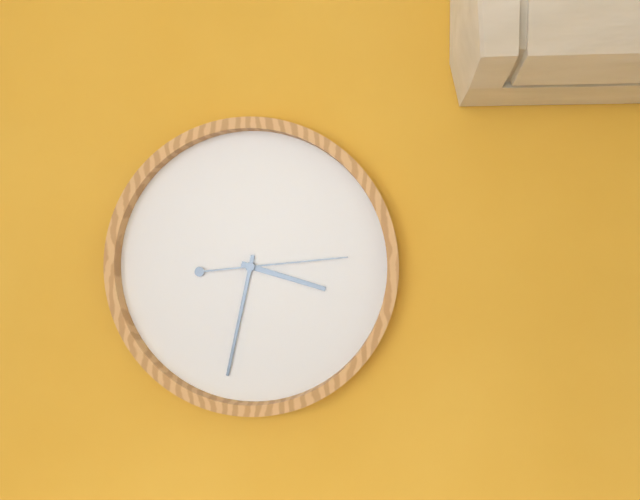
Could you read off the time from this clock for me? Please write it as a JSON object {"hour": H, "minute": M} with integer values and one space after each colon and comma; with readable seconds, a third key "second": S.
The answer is {"hour": 3, "minute": 32, "second": 14}
